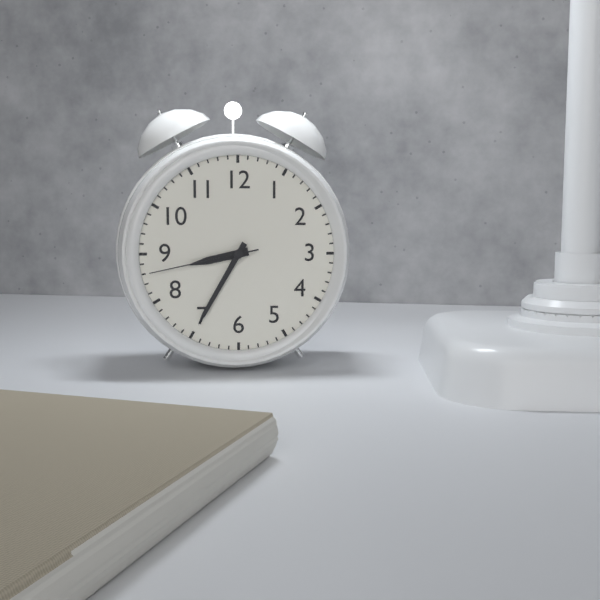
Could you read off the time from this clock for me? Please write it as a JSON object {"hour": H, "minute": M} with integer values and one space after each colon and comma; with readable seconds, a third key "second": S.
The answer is {"hour": 8, "minute": 35, "second": 43}
